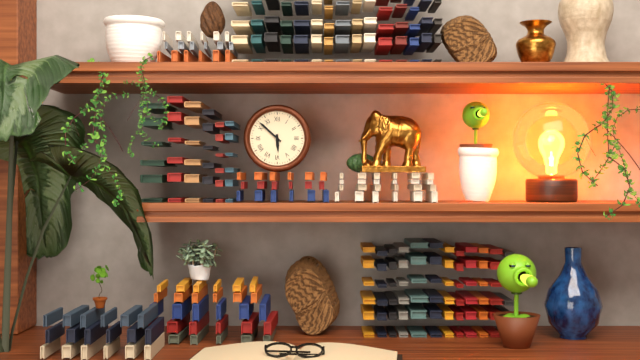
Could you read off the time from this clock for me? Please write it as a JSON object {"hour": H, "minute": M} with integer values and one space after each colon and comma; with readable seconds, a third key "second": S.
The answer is {"hour": 5, "minute": 52}
